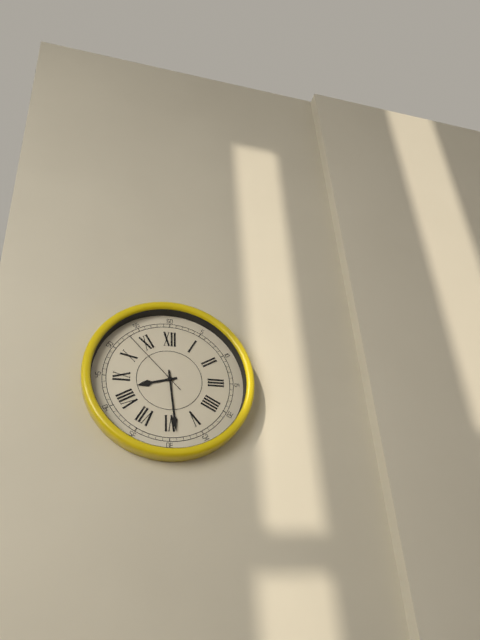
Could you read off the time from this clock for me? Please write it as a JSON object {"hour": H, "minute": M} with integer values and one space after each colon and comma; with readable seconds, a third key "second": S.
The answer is {"hour": 8, "minute": 29, "second": 53}
